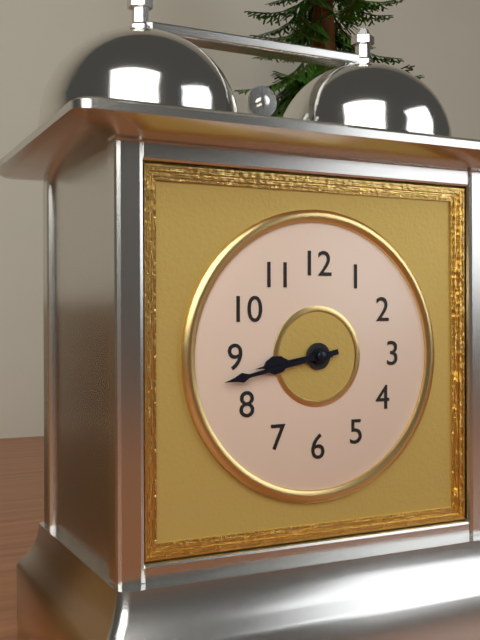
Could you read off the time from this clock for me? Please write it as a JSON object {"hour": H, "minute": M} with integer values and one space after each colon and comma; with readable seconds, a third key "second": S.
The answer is {"hour": 8, "minute": 43}
